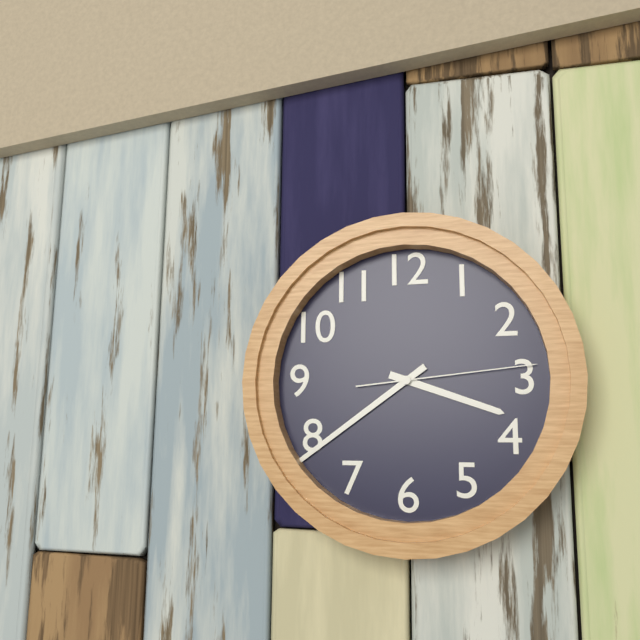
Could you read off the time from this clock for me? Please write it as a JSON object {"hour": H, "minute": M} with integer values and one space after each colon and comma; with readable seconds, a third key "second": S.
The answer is {"hour": 3, "minute": 39, "second": 14}
